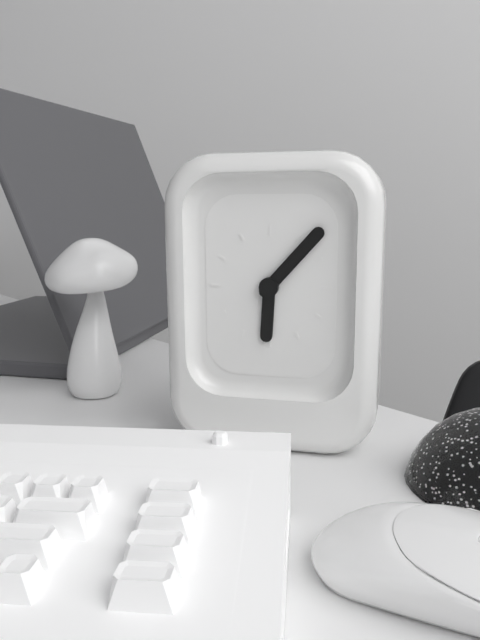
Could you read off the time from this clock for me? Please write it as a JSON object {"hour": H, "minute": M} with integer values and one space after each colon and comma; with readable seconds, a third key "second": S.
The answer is {"hour": 6, "minute": 7}
